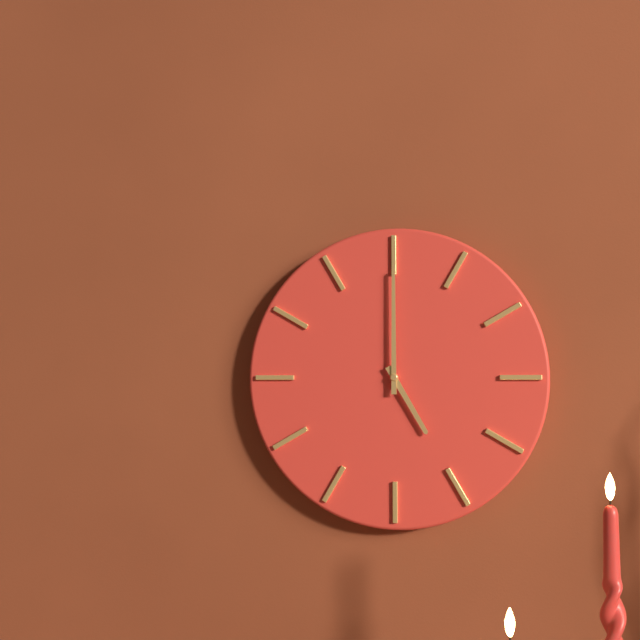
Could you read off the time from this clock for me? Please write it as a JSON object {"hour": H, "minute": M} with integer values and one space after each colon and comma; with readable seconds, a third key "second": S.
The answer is {"hour": 5, "minute": 0}
